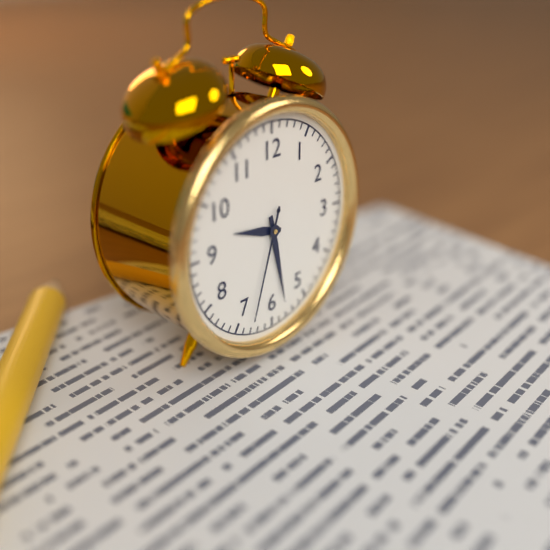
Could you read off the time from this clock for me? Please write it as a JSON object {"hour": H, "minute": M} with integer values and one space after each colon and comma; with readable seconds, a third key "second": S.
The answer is {"hour": 9, "minute": 28, "second": 33}
